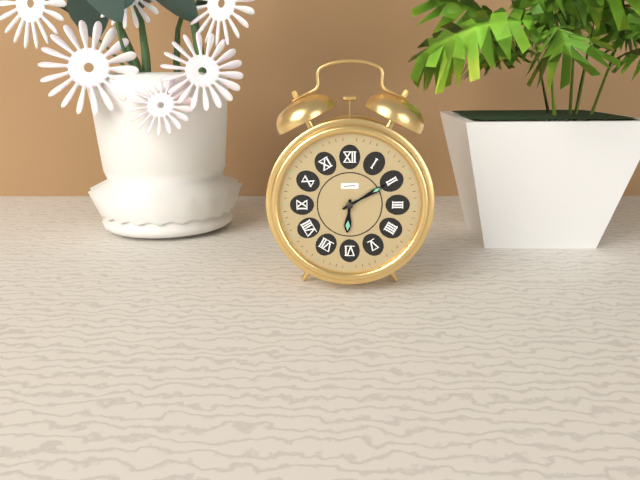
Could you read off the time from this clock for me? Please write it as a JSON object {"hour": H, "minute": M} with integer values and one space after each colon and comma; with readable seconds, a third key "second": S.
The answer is {"hour": 6, "minute": 10}
